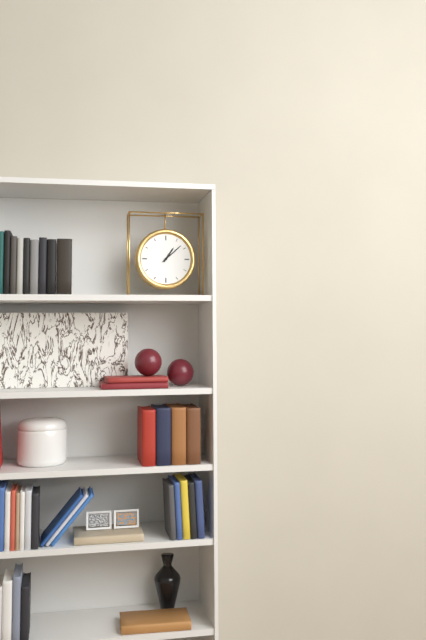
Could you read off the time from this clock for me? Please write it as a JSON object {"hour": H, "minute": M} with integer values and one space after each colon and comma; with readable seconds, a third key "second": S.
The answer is {"hour": 1, "minute": 8}
